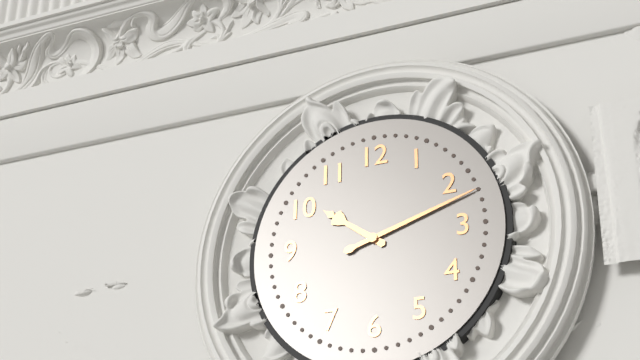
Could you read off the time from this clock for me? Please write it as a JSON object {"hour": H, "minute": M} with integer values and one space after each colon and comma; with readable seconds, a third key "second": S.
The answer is {"hour": 10, "minute": 12}
